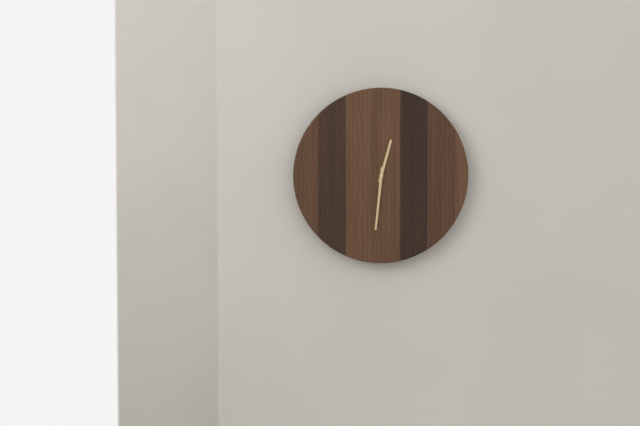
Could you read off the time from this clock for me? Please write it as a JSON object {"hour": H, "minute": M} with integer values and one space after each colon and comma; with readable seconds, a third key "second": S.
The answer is {"hour": 12, "minute": 31}
